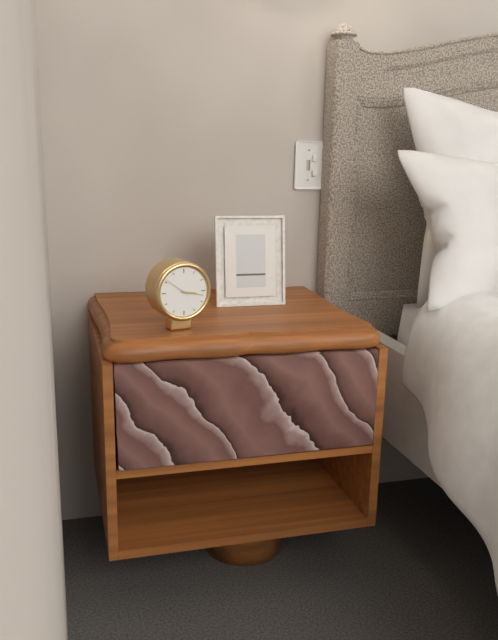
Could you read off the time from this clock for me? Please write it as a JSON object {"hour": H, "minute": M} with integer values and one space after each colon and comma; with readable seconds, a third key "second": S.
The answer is {"hour": 3, "minute": 17}
